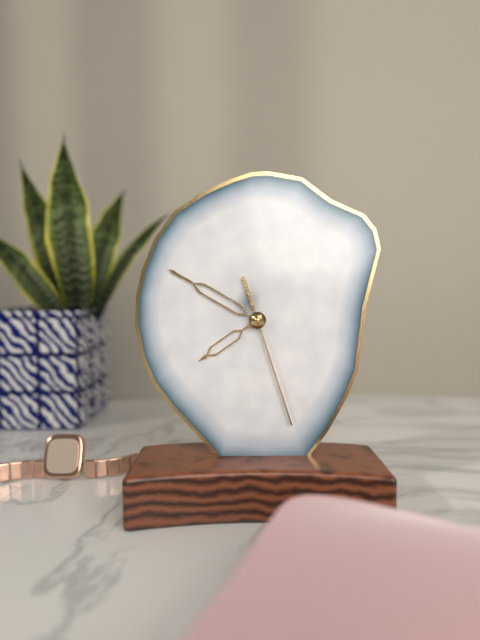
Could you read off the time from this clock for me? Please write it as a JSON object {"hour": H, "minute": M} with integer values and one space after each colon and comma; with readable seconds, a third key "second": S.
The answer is {"hour": 7, "minute": 50, "second": 27}
